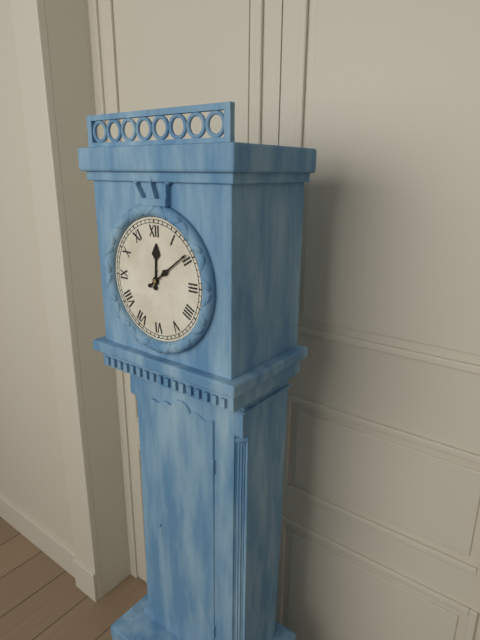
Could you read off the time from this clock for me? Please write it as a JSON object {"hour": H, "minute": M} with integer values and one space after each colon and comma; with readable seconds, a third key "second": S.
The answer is {"hour": 12, "minute": 9}
